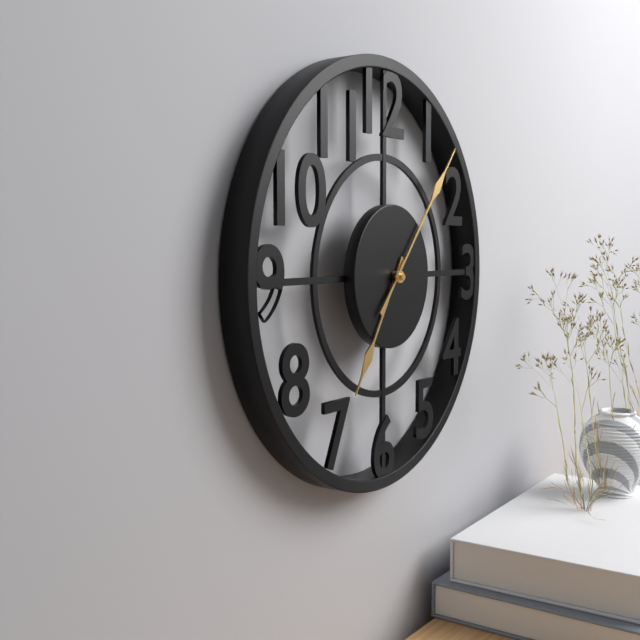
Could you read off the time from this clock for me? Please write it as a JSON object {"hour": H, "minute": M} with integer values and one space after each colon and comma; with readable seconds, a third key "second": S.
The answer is {"hour": 7, "minute": 7}
